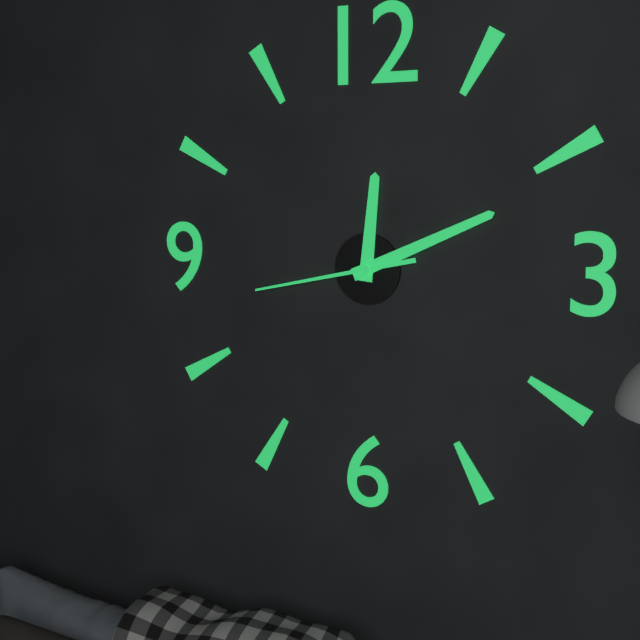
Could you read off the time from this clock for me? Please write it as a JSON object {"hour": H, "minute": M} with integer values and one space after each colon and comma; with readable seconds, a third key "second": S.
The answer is {"hour": 12, "minute": 11, "second": 43}
